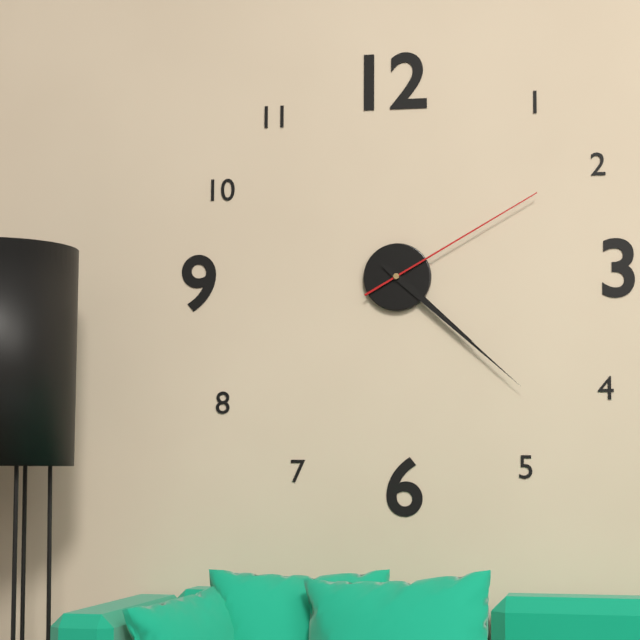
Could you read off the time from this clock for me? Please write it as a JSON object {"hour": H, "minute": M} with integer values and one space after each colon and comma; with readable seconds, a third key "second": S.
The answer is {"hour": 4, "minute": 22, "second": 10}
